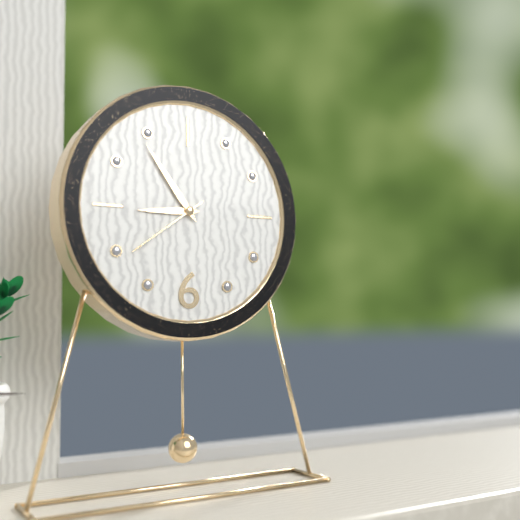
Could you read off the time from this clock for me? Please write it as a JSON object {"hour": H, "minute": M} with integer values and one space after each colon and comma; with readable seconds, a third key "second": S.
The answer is {"hour": 8, "minute": 54, "second": 39}
